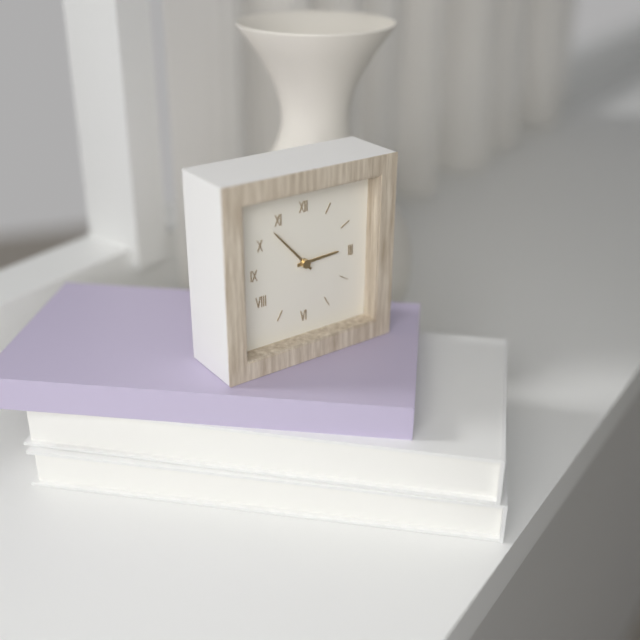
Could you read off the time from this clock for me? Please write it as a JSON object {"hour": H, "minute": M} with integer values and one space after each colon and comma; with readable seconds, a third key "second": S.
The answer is {"hour": 2, "minute": 53}
